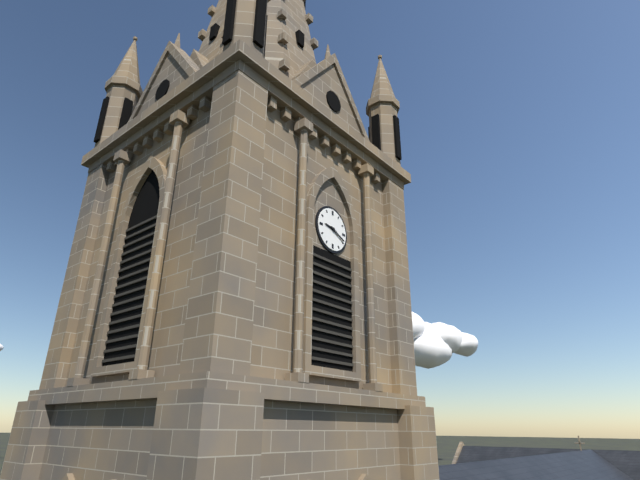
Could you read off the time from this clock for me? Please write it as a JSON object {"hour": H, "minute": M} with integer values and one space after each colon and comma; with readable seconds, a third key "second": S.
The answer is {"hour": 9, "minute": 19}
